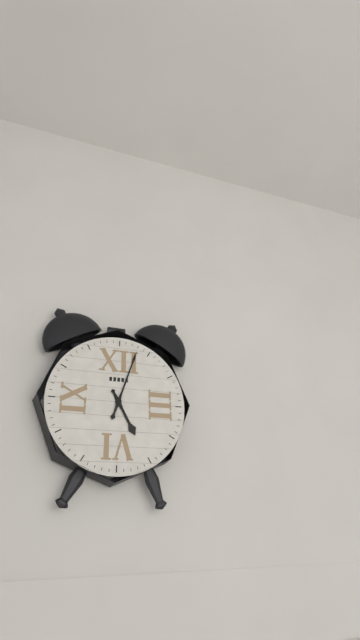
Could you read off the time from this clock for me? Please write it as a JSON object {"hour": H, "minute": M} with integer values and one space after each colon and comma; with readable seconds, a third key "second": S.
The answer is {"hour": 5, "minute": 3}
